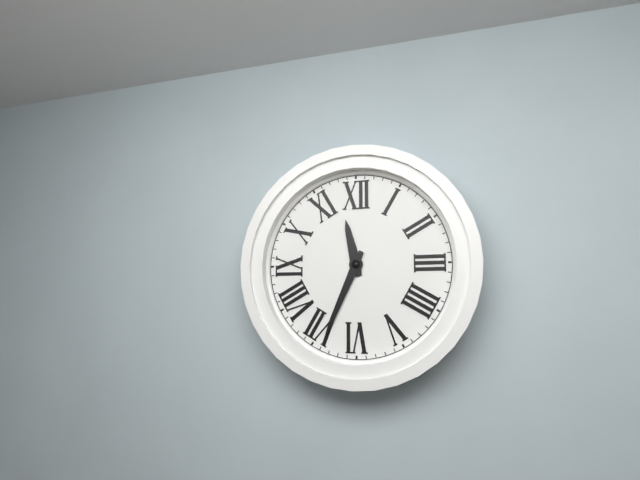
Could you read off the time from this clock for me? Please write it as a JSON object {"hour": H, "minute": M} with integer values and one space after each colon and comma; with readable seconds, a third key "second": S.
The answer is {"hour": 11, "minute": 34}
